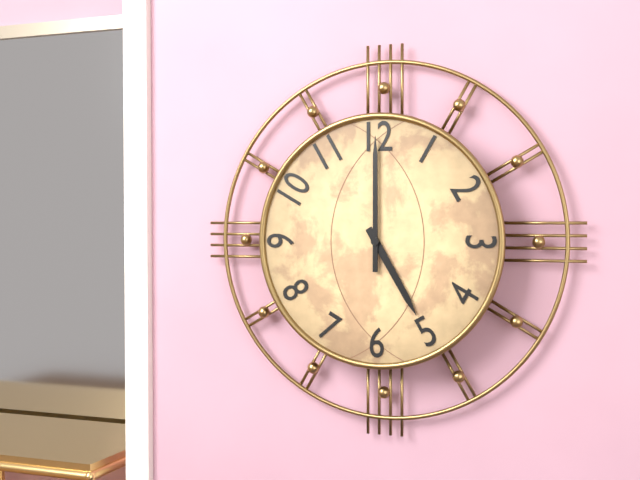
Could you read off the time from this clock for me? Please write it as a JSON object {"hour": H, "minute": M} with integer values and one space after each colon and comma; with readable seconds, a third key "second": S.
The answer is {"hour": 5, "minute": 0}
